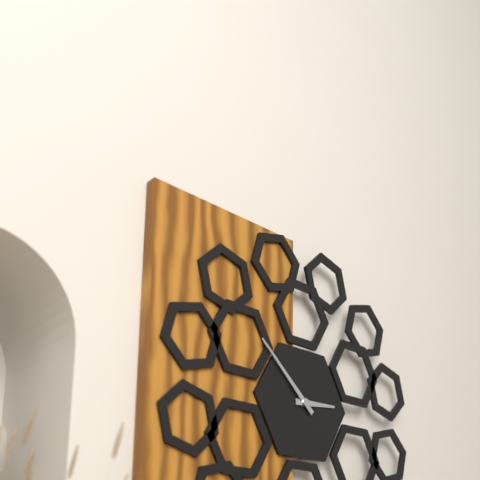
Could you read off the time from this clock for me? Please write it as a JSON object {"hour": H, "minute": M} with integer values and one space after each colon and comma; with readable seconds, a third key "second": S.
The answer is {"hour": 2, "minute": 52}
